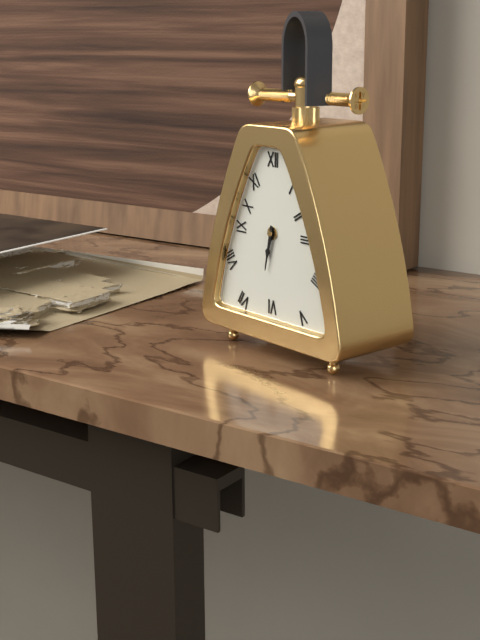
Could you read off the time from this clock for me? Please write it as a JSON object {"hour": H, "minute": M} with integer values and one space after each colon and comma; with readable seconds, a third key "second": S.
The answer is {"hour": 6, "minute": 32}
